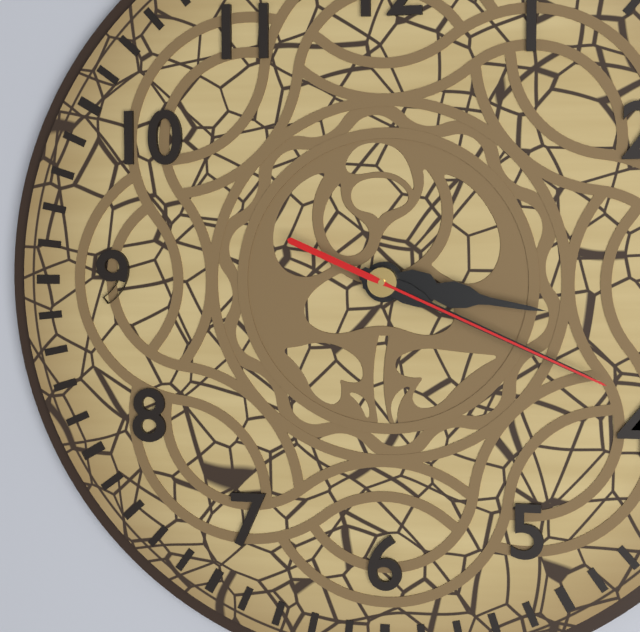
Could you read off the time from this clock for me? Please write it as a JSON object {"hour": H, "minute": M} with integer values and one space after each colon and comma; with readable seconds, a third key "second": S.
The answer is {"hour": 3, "minute": 19, "second": 19}
